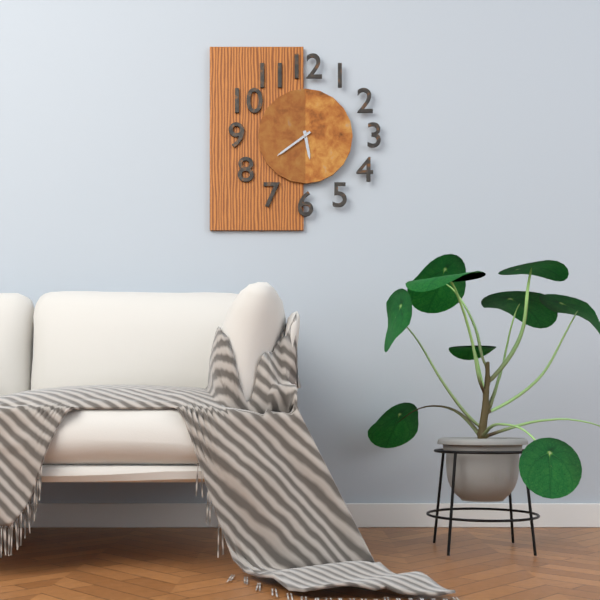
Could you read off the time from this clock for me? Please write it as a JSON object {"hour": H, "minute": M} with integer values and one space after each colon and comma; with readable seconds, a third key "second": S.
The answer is {"hour": 5, "minute": 39}
